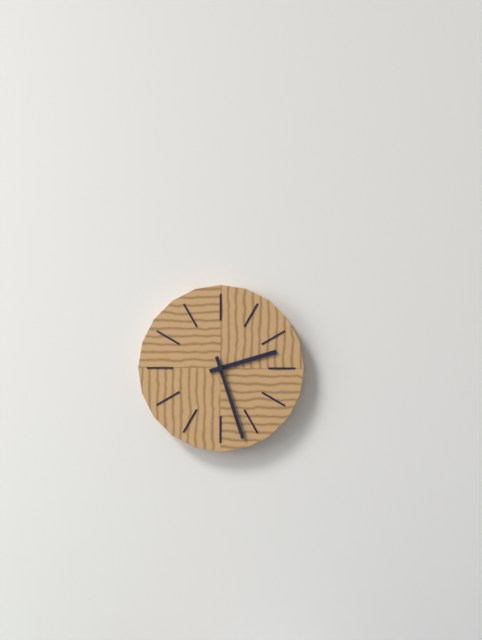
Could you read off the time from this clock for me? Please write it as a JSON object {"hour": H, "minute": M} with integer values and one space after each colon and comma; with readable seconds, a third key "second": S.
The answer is {"hour": 2, "minute": 27}
